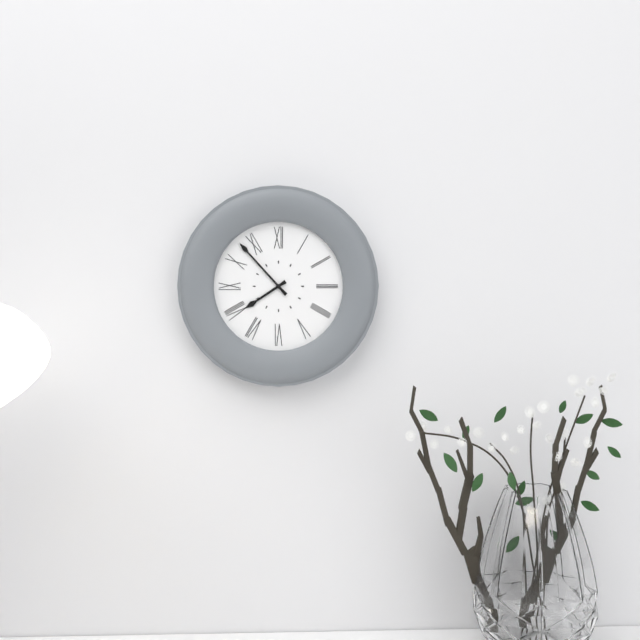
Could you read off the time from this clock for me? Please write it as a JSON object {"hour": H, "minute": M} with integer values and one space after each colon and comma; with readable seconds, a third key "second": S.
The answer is {"hour": 7, "minute": 53}
